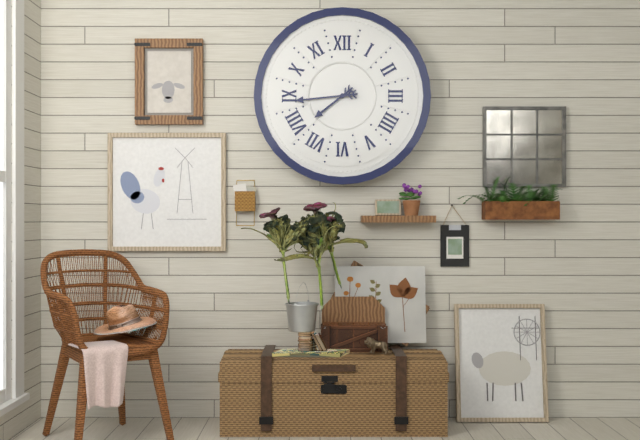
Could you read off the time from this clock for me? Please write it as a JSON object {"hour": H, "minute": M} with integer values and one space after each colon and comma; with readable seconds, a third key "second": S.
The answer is {"hour": 7, "minute": 44}
